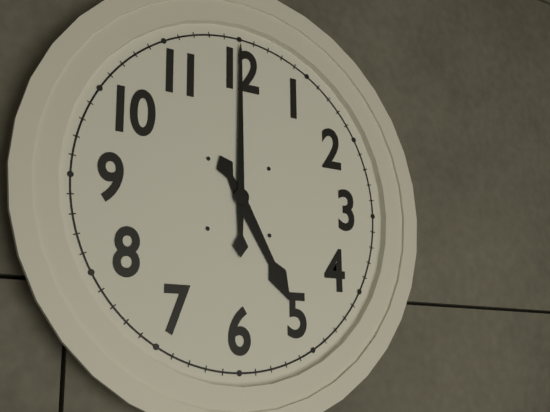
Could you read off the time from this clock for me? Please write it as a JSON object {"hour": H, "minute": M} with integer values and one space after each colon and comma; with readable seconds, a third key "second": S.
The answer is {"hour": 5, "minute": 0}
